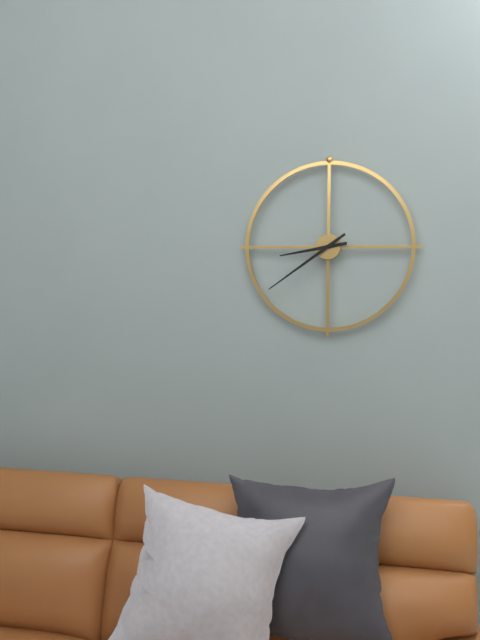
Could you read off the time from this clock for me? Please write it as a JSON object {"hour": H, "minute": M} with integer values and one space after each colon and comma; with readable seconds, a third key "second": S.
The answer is {"hour": 8, "minute": 39}
